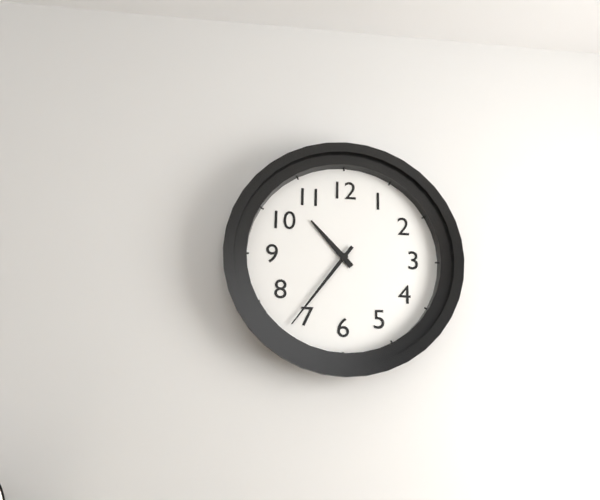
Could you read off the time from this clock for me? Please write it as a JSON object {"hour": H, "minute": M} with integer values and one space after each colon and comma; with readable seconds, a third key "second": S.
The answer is {"hour": 10, "minute": 36}
